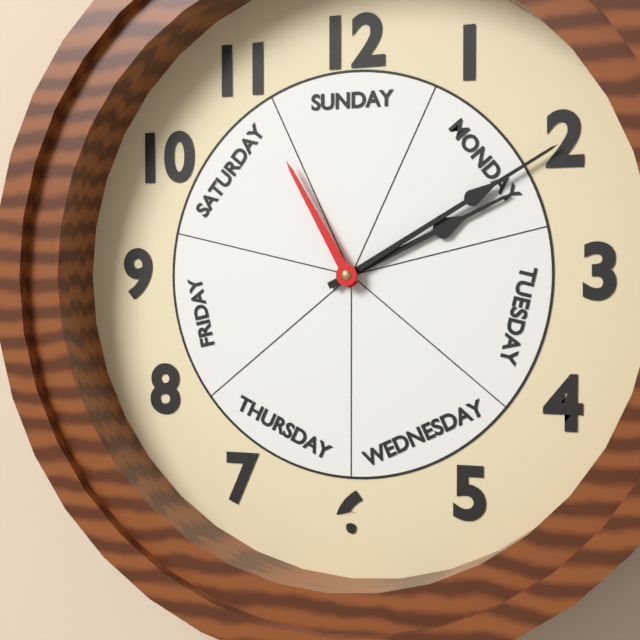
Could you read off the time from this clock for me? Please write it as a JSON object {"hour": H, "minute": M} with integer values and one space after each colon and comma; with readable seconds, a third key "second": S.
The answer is {"hour": 2, "minute": 10, "second": 55}
